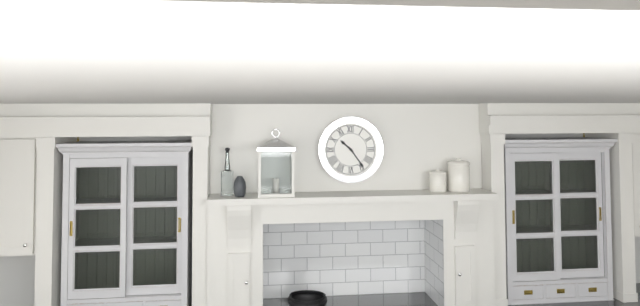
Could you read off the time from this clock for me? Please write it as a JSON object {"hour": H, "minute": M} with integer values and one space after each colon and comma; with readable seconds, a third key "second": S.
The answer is {"hour": 10, "minute": 24}
